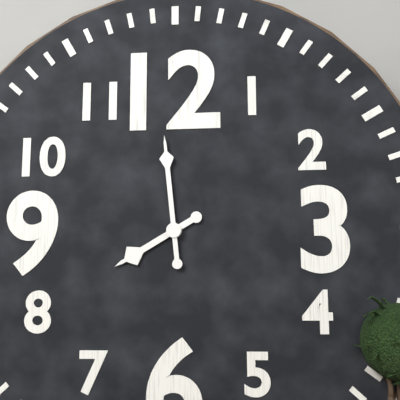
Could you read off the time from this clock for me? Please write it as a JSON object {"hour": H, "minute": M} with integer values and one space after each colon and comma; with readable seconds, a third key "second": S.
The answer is {"hour": 7, "minute": 59}
